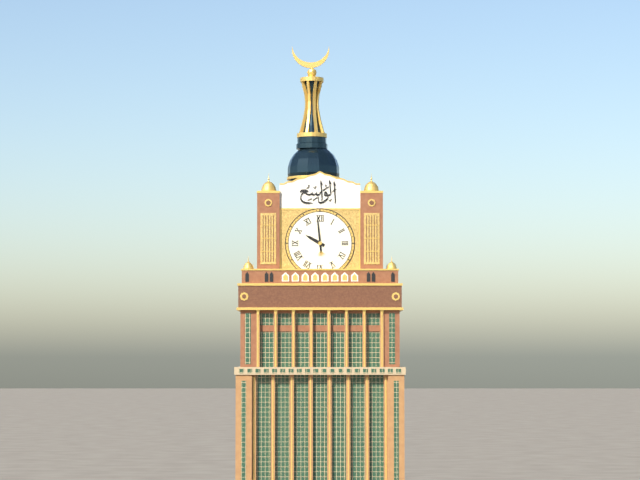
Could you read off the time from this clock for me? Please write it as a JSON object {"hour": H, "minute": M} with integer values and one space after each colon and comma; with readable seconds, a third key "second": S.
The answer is {"hour": 9, "minute": 59}
